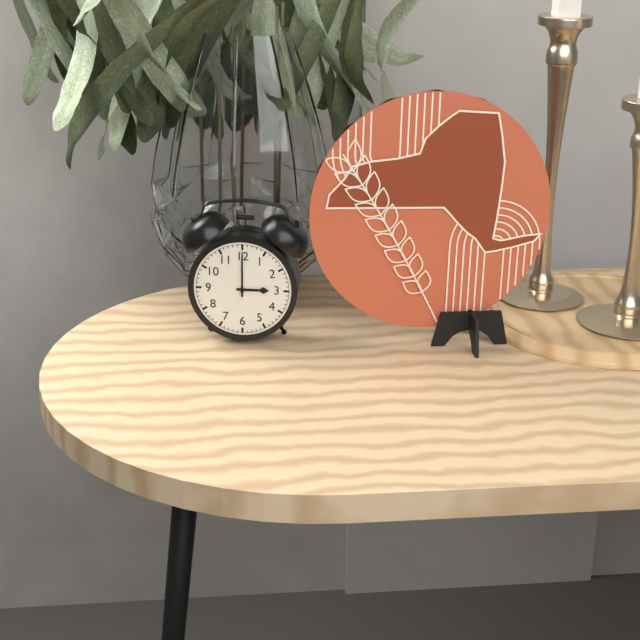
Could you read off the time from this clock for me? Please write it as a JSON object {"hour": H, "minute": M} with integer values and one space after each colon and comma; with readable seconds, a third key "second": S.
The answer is {"hour": 3, "minute": 0}
